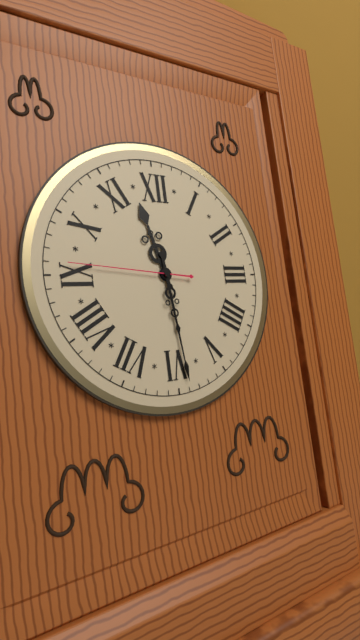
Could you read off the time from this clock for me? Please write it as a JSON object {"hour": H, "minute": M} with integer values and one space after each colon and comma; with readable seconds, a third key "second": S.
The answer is {"hour": 11, "minute": 29, "second": 46}
